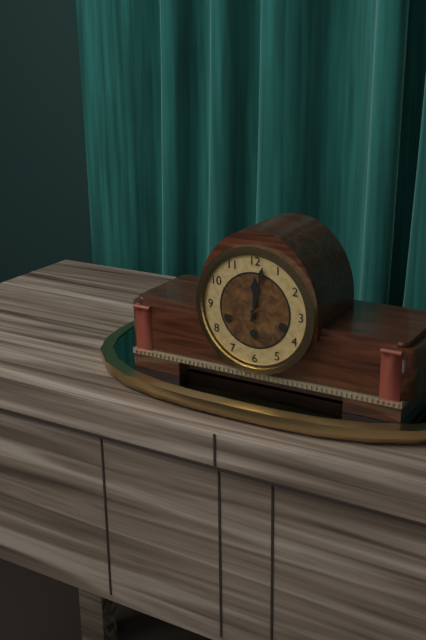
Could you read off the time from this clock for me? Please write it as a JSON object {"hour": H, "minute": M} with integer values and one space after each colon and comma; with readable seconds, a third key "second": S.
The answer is {"hour": 12, "minute": 2}
